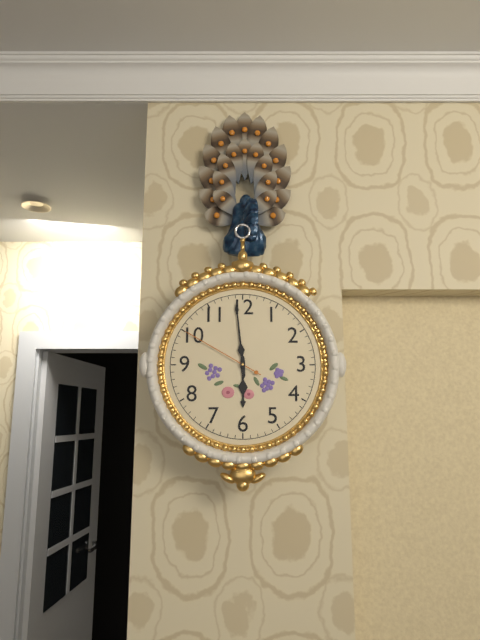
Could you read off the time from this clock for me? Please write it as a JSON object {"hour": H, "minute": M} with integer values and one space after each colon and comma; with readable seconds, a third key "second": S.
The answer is {"hour": 5, "minute": 59, "second": 50}
